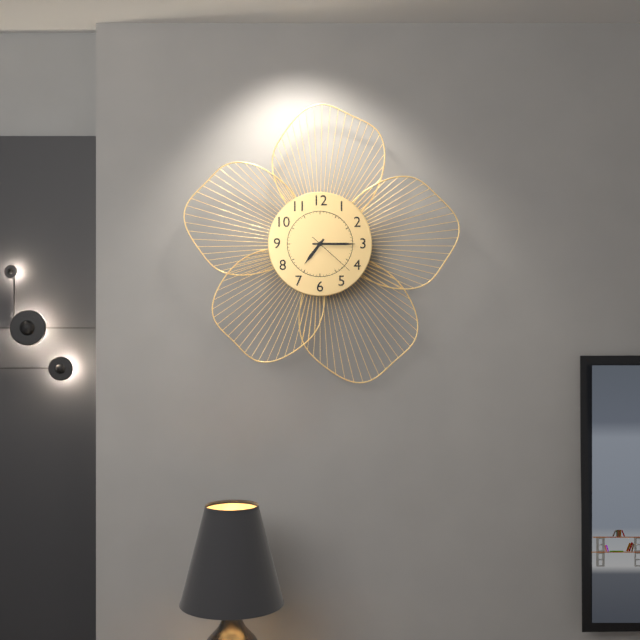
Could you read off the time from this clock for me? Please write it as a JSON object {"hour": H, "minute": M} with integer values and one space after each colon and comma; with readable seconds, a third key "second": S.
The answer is {"hour": 7, "minute": 15}
